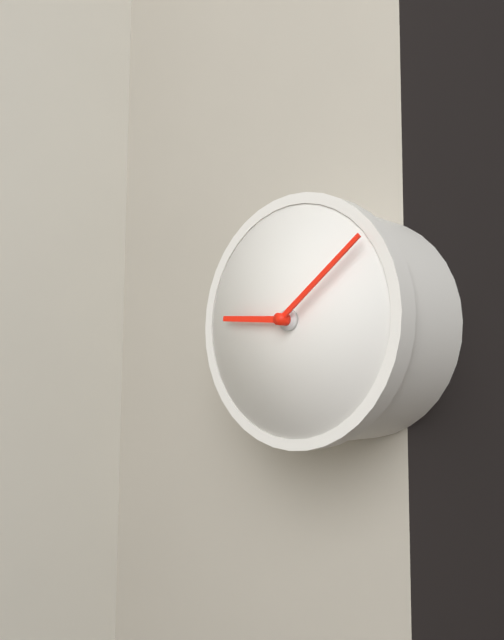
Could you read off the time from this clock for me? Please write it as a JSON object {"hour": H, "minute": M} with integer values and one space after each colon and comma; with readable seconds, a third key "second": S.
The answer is {"hour": 9, "minute": 9}
